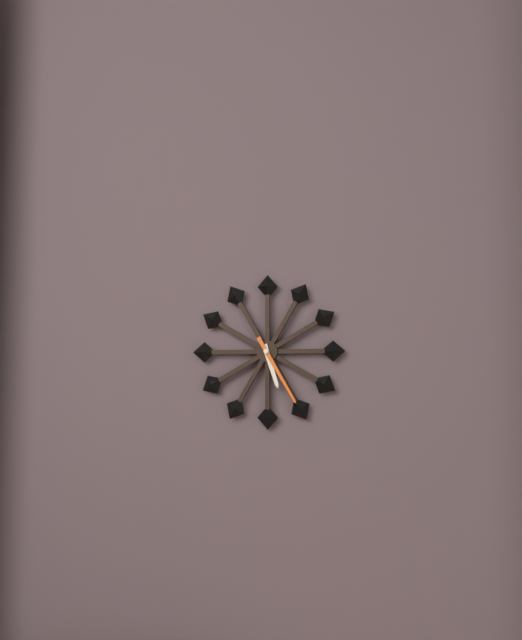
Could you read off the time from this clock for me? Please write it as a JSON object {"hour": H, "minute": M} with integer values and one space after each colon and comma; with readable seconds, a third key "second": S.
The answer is {"hour": 5, "minute": 25}
